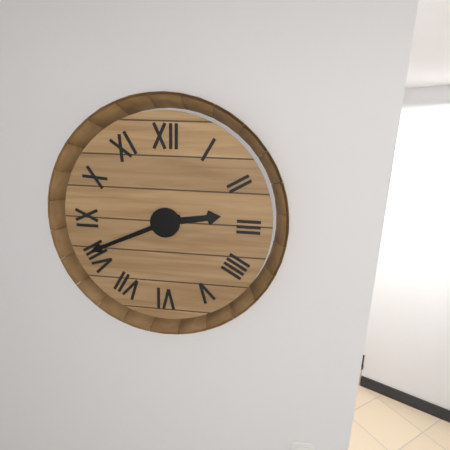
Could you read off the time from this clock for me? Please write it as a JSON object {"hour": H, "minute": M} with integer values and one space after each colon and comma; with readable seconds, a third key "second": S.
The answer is {"hour": 2, "minute": 41}
